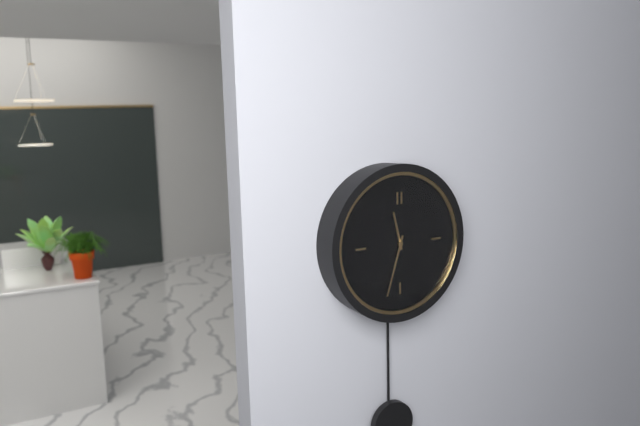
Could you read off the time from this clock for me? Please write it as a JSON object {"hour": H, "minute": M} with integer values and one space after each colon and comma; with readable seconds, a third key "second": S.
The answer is {"hour": 11, "minute": 33}
